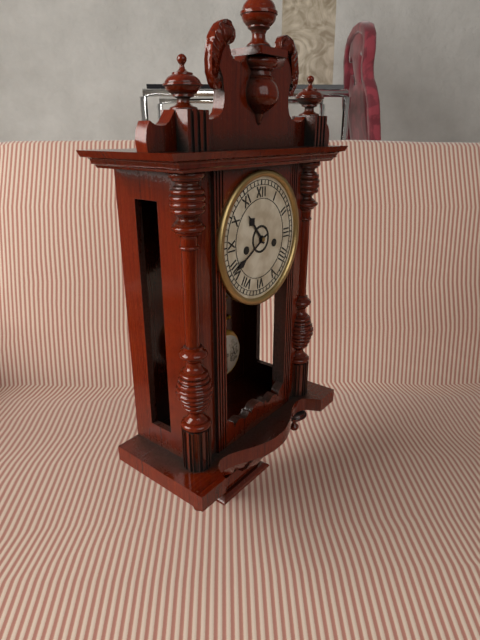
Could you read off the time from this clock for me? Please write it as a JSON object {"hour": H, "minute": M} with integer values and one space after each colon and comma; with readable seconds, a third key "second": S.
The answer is {"hour": 10, "minute": 40}
